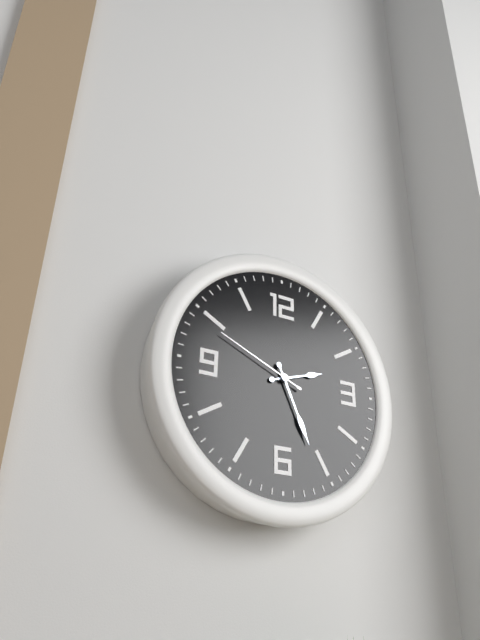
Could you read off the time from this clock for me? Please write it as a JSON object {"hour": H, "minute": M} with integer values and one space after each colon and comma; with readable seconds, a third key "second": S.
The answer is {"hour": 2, "minute": 26, "second": 49}
